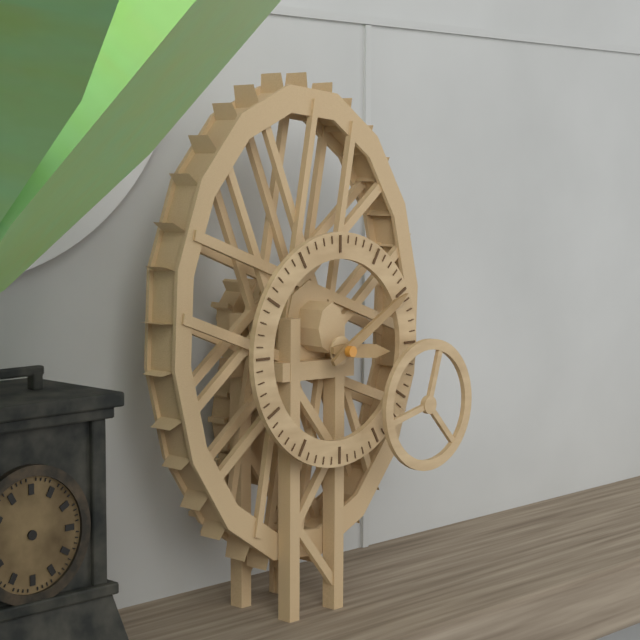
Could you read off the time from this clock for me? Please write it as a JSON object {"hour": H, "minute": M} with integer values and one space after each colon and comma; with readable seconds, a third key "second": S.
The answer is {"hour": 3, "minute": 10}
